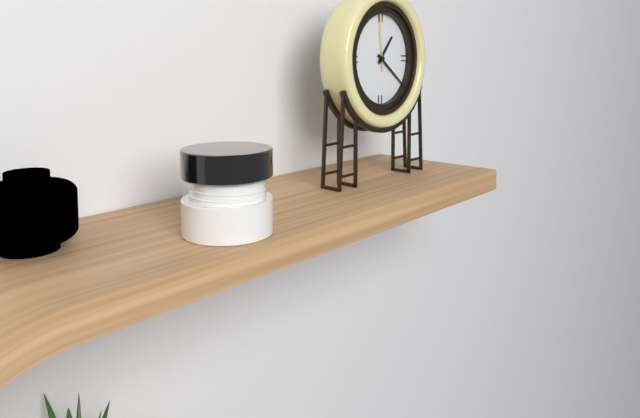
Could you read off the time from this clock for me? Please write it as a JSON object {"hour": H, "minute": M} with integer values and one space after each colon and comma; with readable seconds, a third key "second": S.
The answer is {"hour": 1, "minute": 21, "second": 59}
